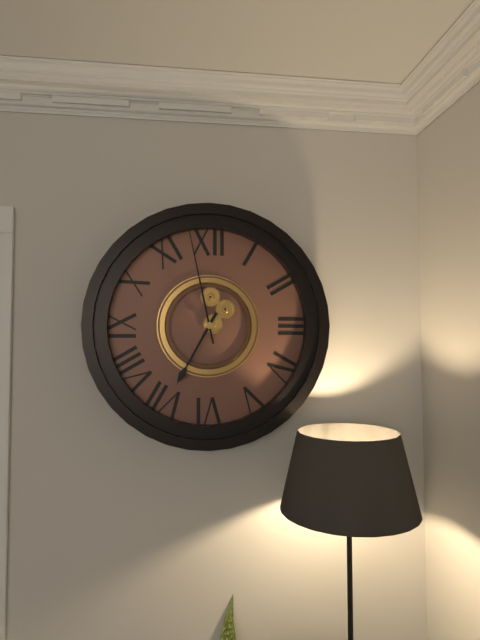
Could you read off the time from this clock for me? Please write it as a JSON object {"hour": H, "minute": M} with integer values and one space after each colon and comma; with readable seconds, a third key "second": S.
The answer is {"hour": 6, "minute": 58}
